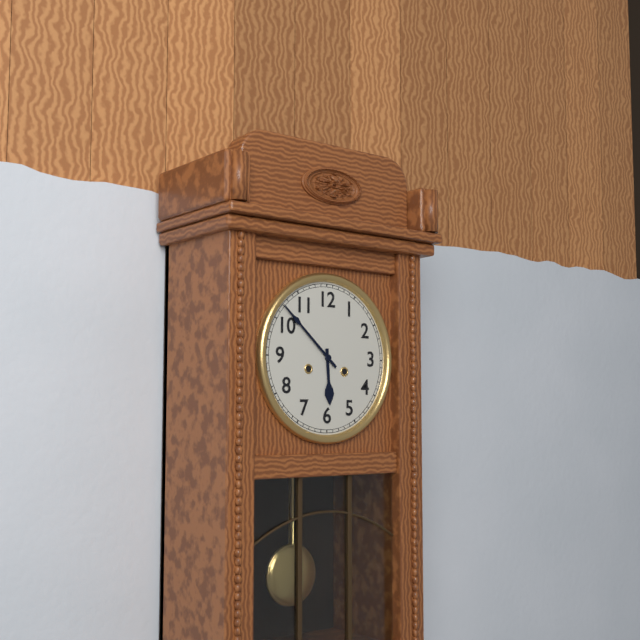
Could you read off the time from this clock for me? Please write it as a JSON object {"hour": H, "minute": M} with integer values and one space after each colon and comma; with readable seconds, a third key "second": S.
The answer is {"hour": 5, "minute": 52}
